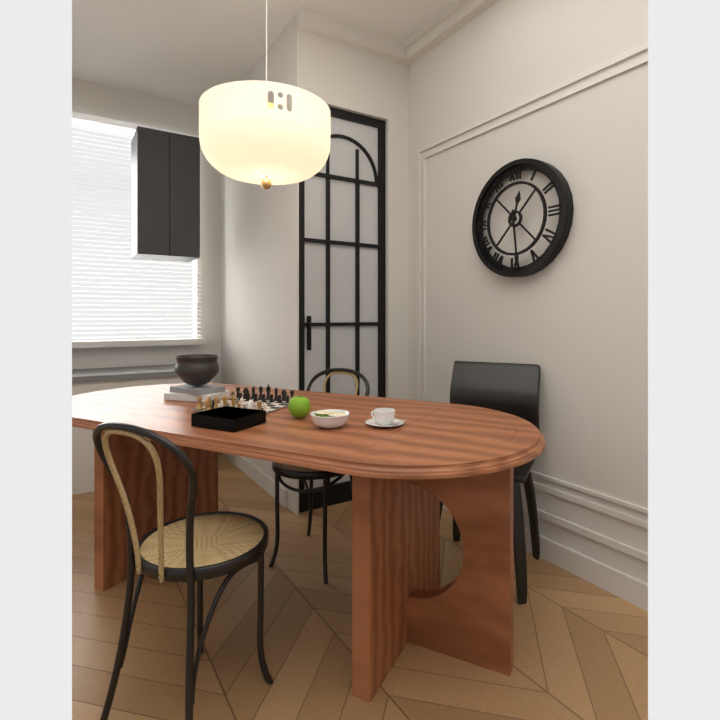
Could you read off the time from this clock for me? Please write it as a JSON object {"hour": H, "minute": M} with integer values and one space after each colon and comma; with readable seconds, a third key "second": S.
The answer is {"hour": 12, "minute": 29}
